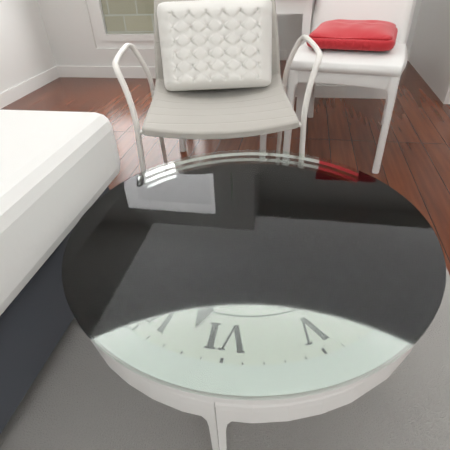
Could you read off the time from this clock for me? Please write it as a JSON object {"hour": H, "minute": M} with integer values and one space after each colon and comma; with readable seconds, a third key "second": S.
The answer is {"hour": 2, "minute": 32}
